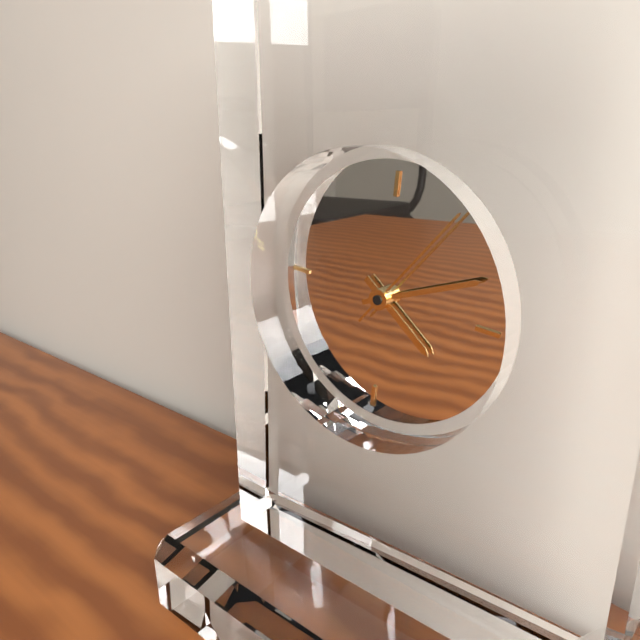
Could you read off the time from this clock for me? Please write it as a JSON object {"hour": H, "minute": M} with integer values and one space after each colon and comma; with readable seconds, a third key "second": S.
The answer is {"hour": 4, "minute": 11, "second": 6}
